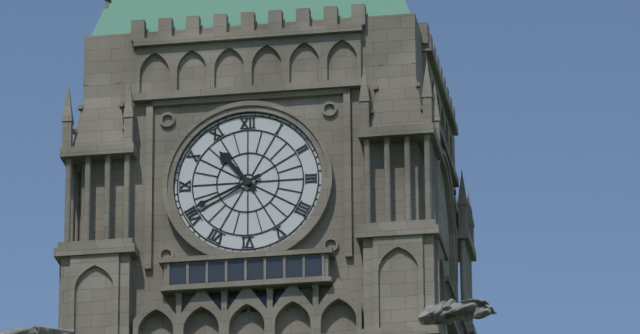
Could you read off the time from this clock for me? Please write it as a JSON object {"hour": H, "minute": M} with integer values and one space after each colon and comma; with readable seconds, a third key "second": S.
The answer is {"hour": 10, "minute": 41}
